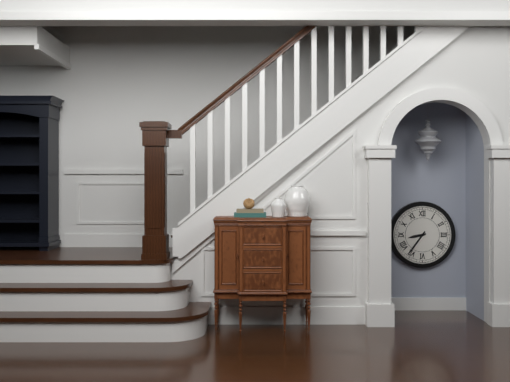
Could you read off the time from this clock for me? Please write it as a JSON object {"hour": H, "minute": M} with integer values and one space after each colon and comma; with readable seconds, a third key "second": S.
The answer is {"hour": 8, "minute": 36}
